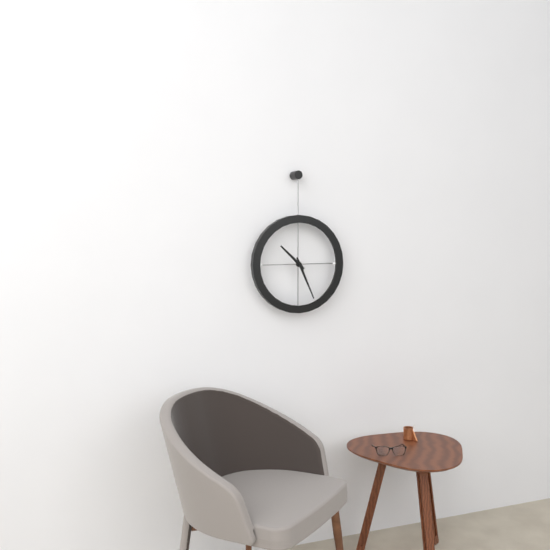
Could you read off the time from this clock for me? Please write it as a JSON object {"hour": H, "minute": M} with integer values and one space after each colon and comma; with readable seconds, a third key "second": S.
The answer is {"hour": 10, "minute": 26}
